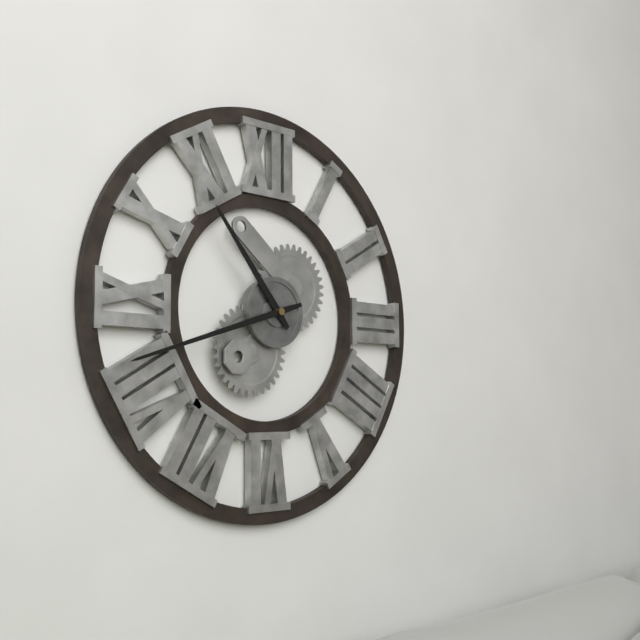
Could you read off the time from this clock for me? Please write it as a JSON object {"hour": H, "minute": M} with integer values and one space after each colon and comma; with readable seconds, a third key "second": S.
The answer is {"hour": 10, "minute": 42}
